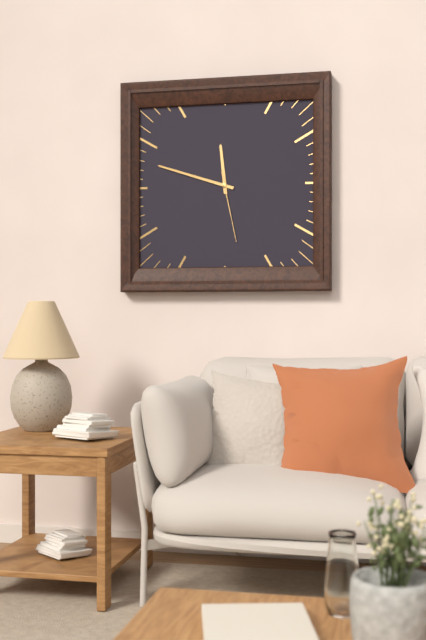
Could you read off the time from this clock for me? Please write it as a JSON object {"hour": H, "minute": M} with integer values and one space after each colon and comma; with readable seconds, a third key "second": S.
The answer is {"hour": 11, "minute": 48, "second": 28}
